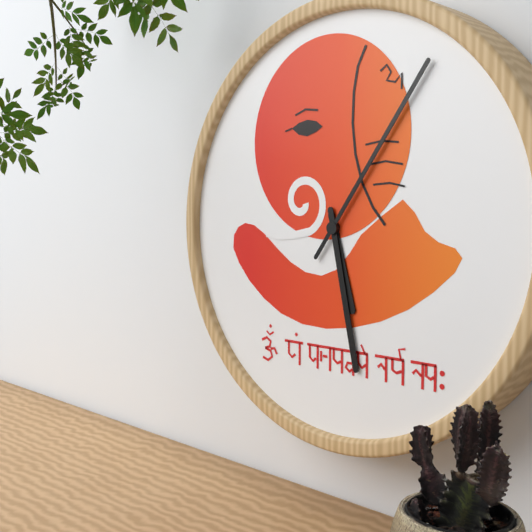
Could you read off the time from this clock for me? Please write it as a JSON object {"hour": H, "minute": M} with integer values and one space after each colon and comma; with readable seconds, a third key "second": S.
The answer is {"hour": 5, "minute": 28, "second": 6}
